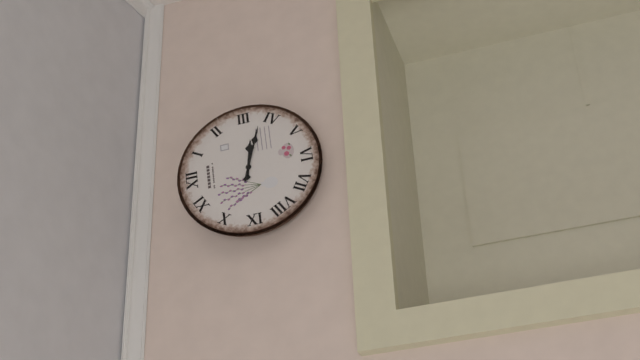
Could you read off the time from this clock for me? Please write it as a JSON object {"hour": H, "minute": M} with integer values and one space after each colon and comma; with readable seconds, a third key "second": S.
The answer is {"hour": 3, "minute": 18}
